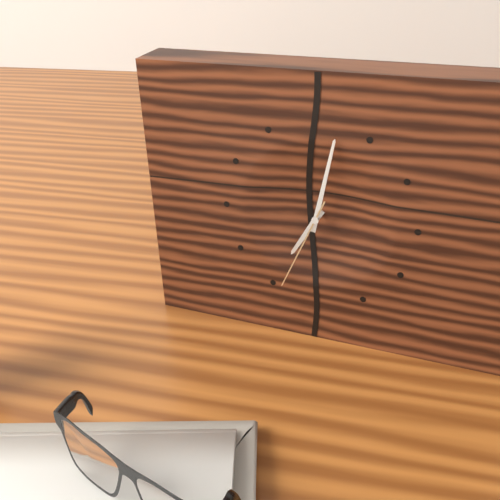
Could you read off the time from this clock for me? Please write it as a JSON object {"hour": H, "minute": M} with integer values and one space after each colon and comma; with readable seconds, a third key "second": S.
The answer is {"hour": 7, "minute": 2, "second": 34}
